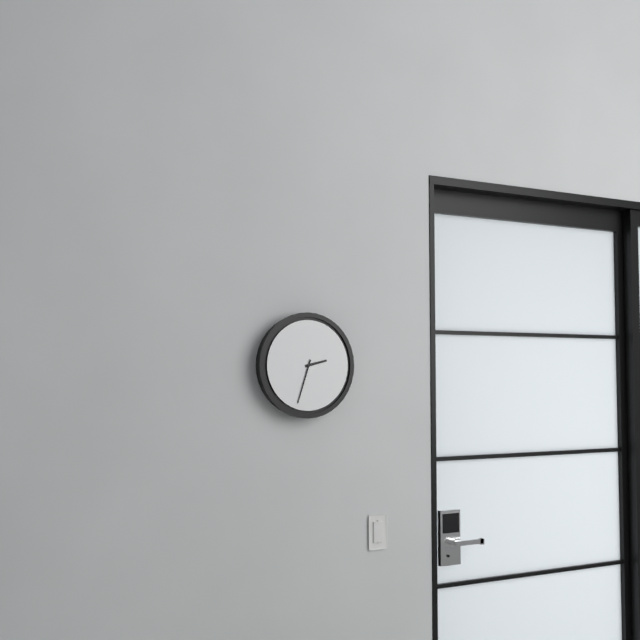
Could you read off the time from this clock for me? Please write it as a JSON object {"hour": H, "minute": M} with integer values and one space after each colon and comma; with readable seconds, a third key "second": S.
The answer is {"hour": 2, "minute": 33}
